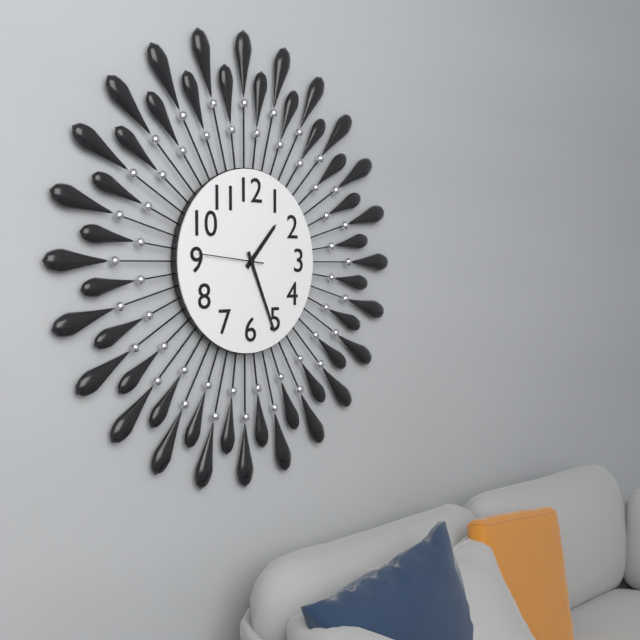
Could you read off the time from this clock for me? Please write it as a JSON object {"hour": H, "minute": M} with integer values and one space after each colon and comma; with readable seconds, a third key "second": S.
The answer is {"hour": 1, "minute": 26, "second": 46}
